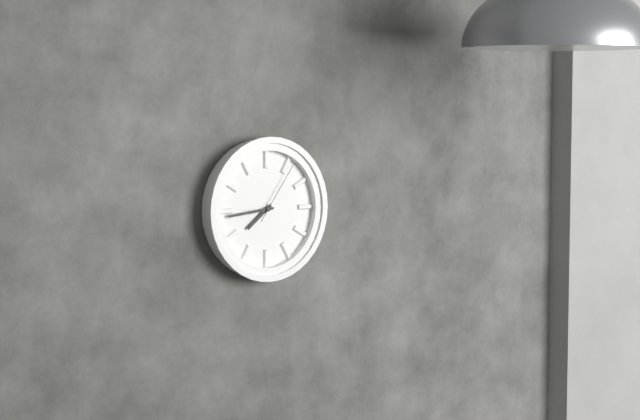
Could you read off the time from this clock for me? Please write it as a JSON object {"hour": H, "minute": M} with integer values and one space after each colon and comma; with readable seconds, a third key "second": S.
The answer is {"hour": 7, "minute": 44, "second": 6}
